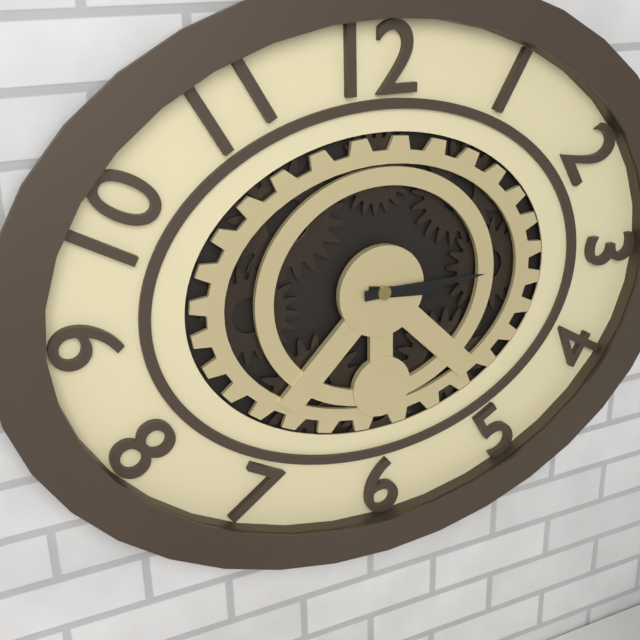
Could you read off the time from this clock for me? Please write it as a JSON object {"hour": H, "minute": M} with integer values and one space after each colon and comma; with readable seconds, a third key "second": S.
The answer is {"hour": 3, "minute": 15}
